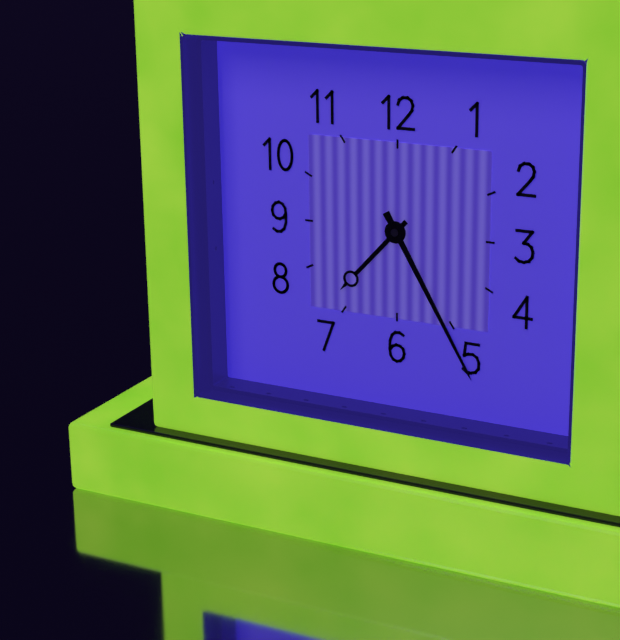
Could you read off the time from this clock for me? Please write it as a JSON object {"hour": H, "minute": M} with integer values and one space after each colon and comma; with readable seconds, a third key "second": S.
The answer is {"hour": 7, "minute": 25}
